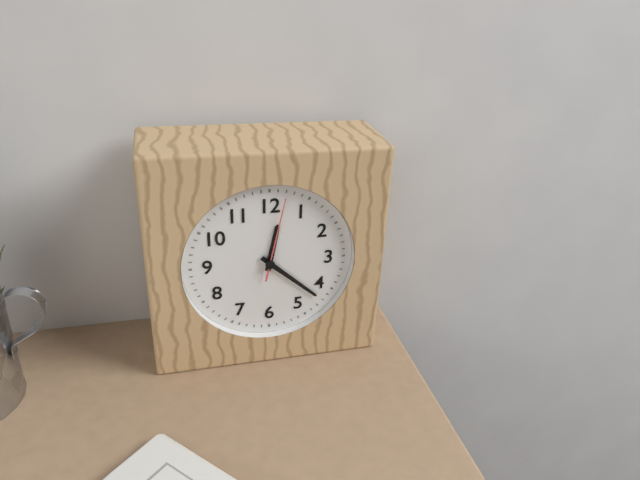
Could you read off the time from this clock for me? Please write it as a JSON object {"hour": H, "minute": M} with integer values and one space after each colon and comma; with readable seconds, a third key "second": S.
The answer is {"hour": 12, "minute": 22, "second": 2}
